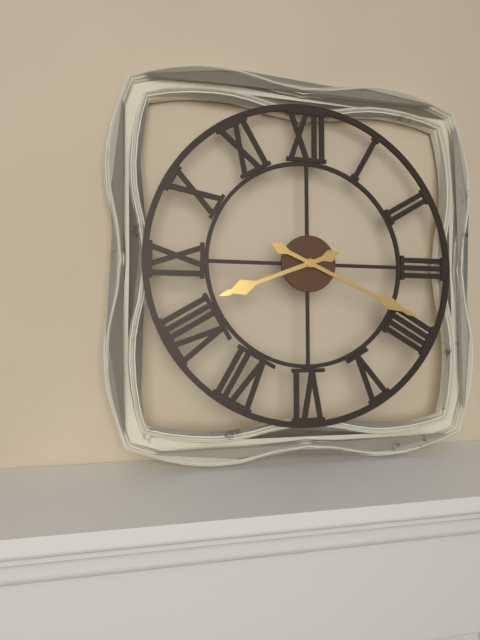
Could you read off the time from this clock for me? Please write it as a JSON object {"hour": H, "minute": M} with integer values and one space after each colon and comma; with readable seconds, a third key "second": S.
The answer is {"hour": 8, "minute": 19}
